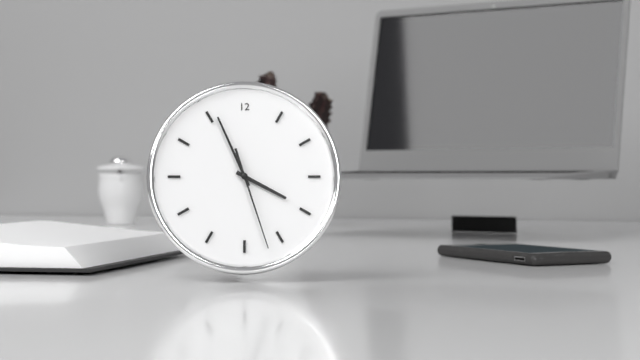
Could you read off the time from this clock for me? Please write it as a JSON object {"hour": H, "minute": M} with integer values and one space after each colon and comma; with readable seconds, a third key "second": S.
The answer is {"hour": 3, "minute": 56, "second": 27}
